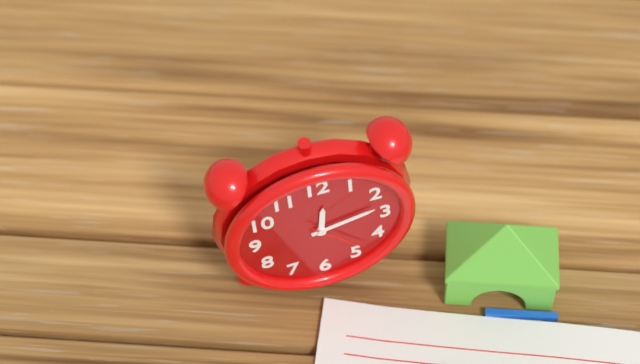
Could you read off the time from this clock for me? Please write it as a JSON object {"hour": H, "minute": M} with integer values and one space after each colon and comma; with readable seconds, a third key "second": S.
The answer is {"hour": 12, "minute": 13, "second": 23}
